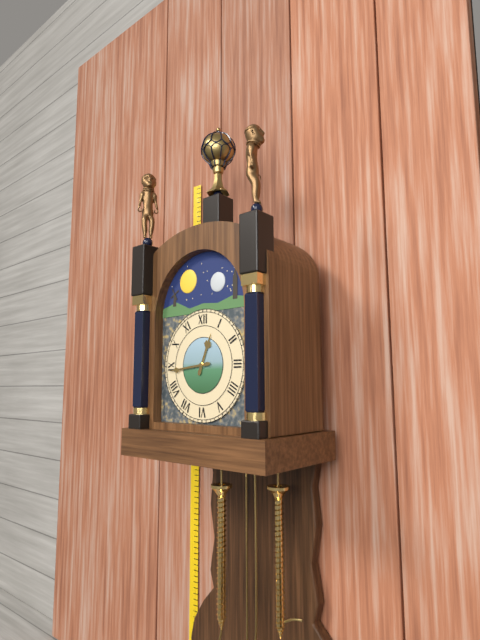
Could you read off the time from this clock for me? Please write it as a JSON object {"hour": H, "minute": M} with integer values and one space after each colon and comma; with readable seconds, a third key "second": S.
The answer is {"hour": 12, "minute": 44}
